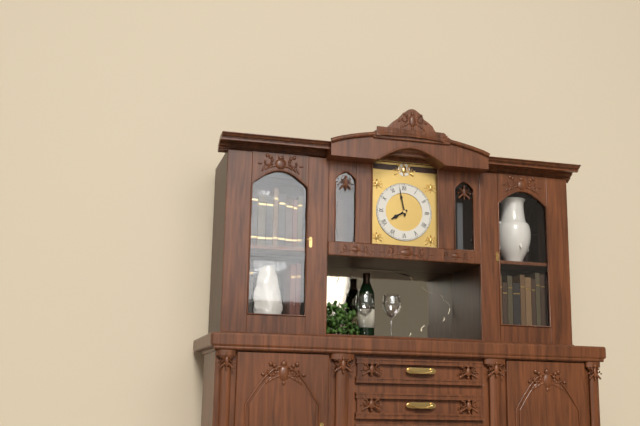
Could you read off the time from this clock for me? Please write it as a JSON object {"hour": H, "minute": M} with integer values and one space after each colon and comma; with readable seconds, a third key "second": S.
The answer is {"hour": 7, "minute": 58}
